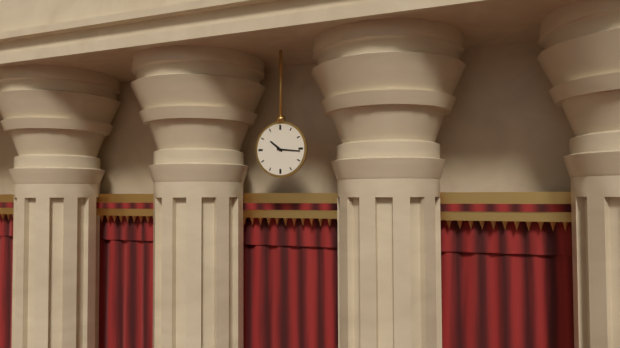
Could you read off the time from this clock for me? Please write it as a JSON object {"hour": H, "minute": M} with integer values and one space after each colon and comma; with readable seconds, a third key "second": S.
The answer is {"hour": 10, "minute": 16}
